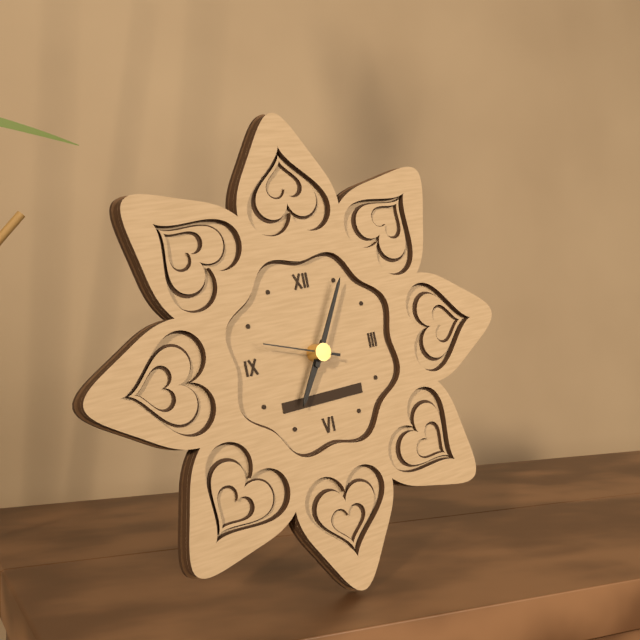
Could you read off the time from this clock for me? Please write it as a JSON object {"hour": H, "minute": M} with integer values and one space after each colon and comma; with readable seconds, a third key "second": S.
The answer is {"hour": 7, "minute": 5, "second": 48}
